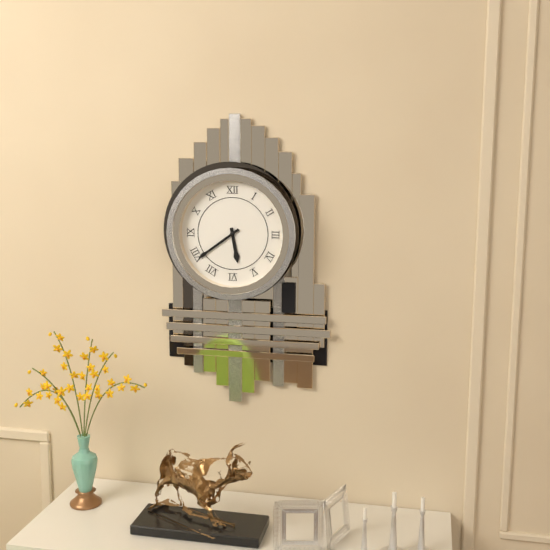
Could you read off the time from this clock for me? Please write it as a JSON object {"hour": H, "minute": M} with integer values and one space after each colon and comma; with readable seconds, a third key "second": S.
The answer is {"hour": 5, "minute": 39}
